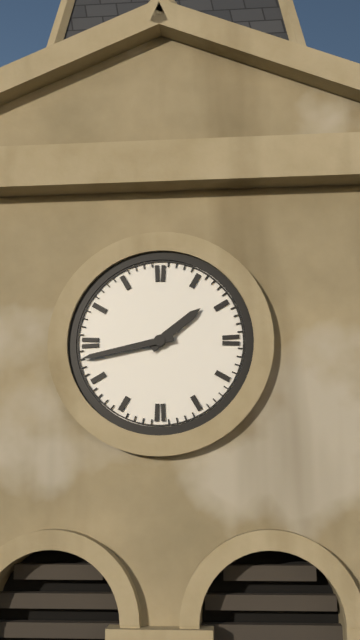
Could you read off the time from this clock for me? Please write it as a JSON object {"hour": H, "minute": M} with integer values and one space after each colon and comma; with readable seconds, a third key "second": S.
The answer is {"hour": 1, "minute": 43}
